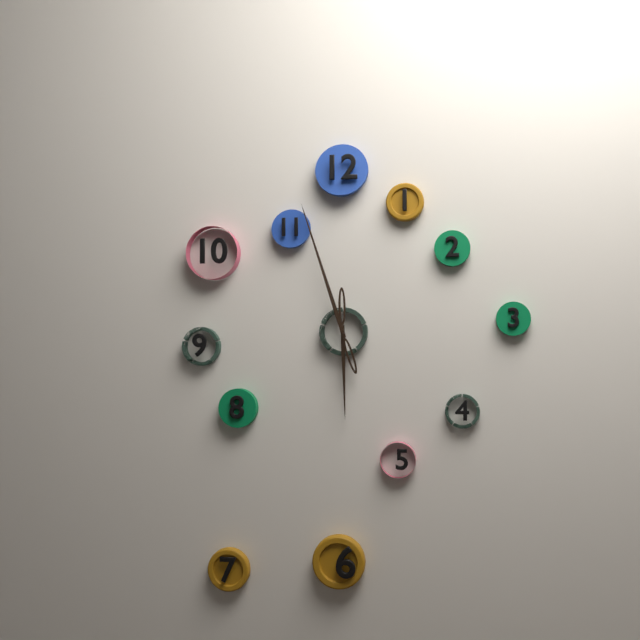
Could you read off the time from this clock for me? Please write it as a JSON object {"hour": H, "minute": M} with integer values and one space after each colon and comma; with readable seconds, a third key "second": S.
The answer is {"hour": 5, "minute": 57}
